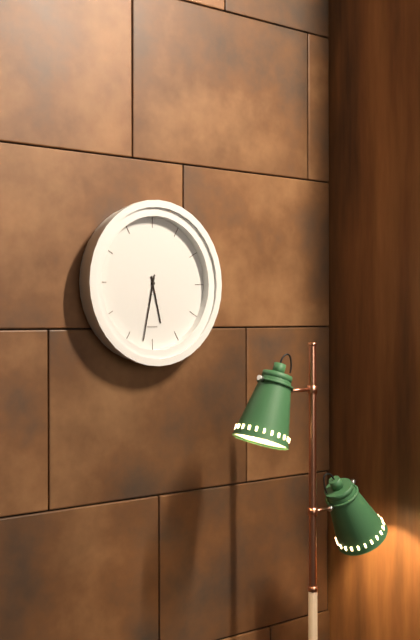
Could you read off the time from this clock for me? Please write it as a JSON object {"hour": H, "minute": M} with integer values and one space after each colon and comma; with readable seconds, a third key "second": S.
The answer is {"hour": 5, "minute": 32}
